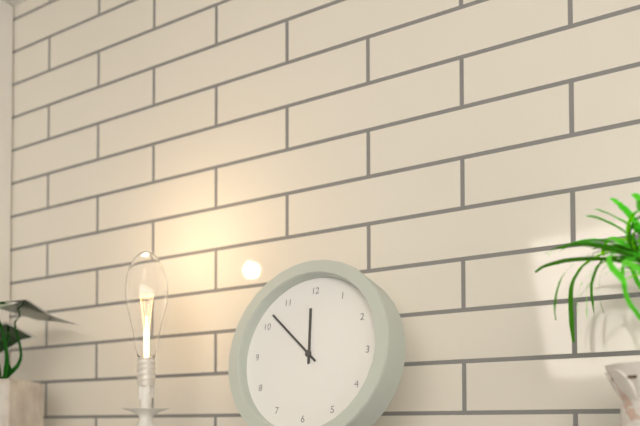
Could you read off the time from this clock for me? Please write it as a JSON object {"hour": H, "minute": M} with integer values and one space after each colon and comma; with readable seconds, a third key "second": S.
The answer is {"hour": 11, "minute": 52}
